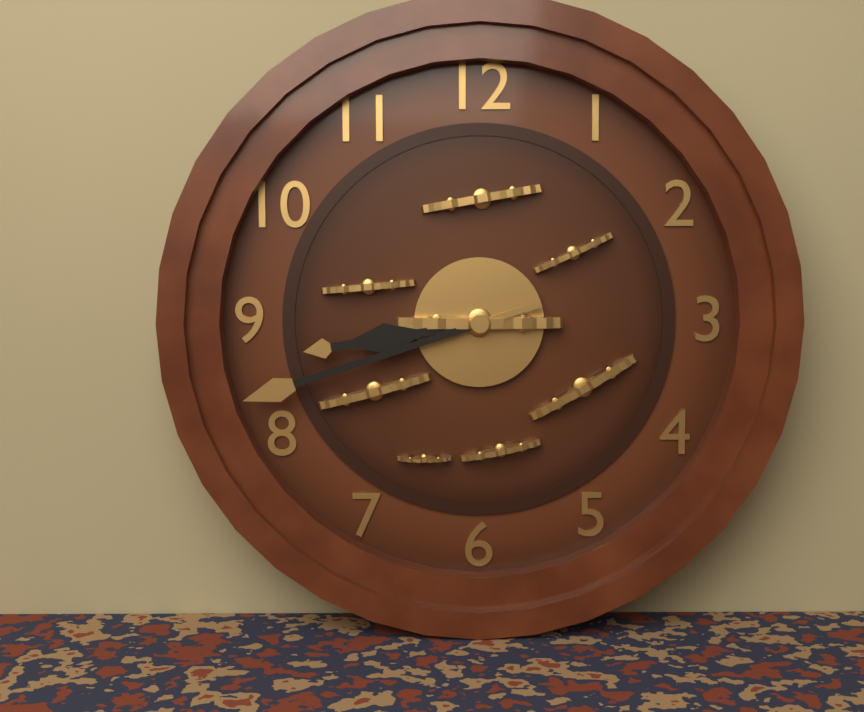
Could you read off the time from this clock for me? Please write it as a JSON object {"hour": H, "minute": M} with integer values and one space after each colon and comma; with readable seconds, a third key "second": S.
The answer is {"hour": 8, "minute": 42}
